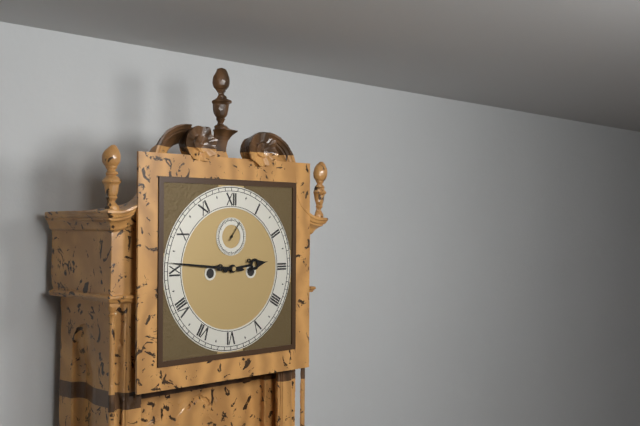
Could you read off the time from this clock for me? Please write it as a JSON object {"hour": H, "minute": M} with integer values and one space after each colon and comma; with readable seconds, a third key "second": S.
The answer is {"hour": 2, "minute": 46}
